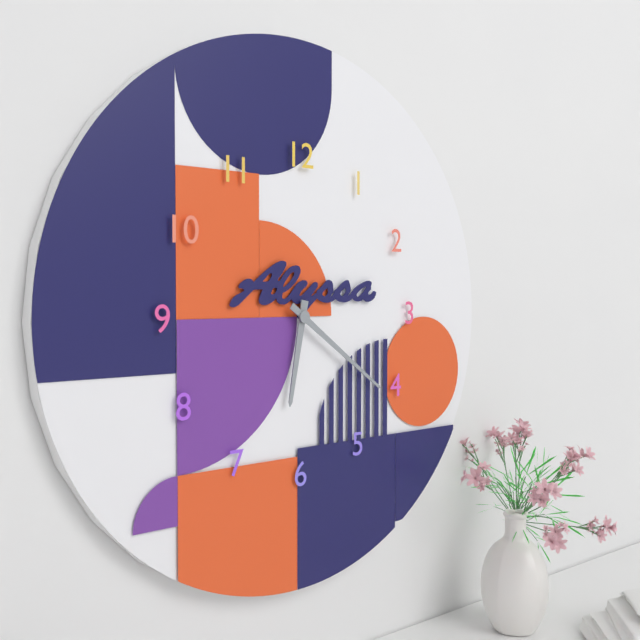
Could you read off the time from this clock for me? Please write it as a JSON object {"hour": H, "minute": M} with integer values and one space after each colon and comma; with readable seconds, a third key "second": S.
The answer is {"hour": 6, "minute": 21}
